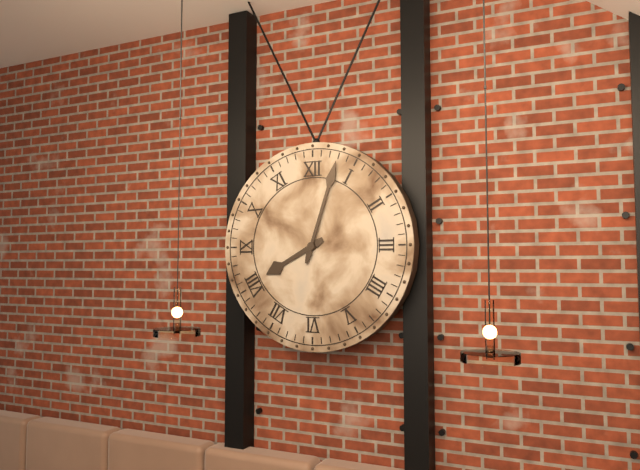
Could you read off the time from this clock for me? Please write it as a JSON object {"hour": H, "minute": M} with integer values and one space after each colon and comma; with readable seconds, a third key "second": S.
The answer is {"hour": 8, "minute": 3}
